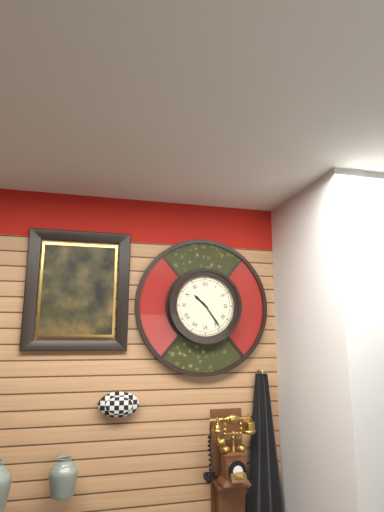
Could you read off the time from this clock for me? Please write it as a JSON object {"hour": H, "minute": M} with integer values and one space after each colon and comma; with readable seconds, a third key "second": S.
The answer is {"hour": 10, "minute": 24}
